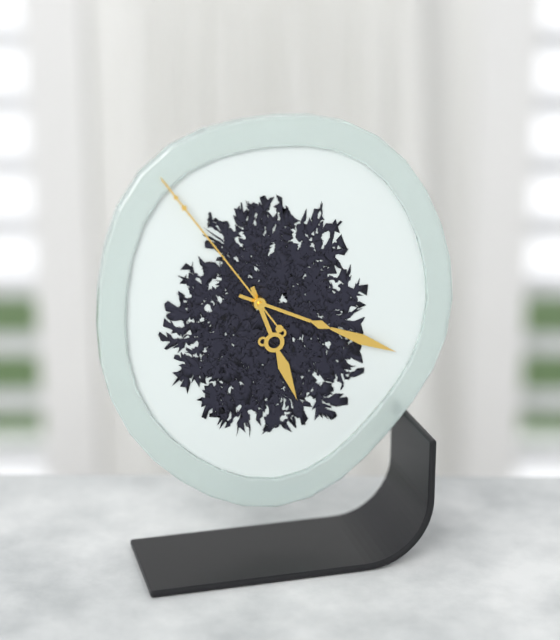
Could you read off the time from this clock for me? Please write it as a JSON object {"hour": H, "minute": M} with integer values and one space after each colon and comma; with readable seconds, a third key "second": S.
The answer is {"hour": 5, "minute": 19, "second": 54}
